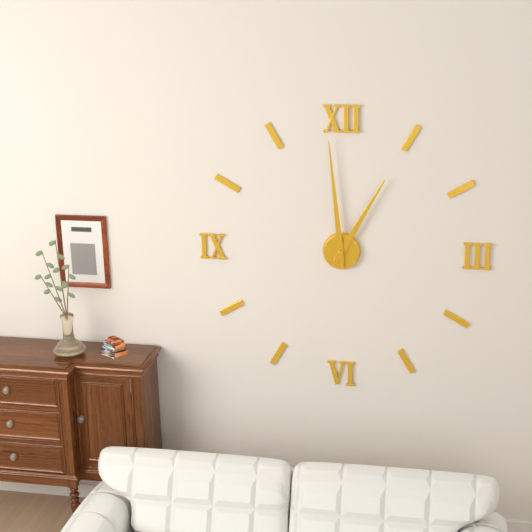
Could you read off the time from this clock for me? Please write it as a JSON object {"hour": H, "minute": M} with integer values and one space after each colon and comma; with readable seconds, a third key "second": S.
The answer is {"hour": 12, "minute": 59}
